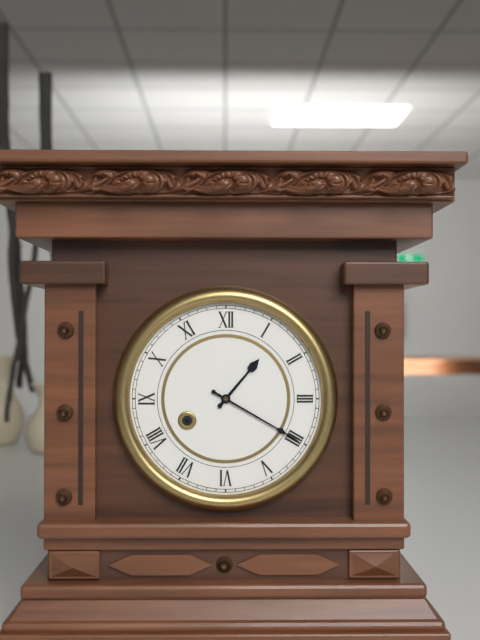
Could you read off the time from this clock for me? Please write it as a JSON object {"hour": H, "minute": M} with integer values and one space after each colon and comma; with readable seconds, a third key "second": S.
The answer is {"hour": 1, "minute": 20}
